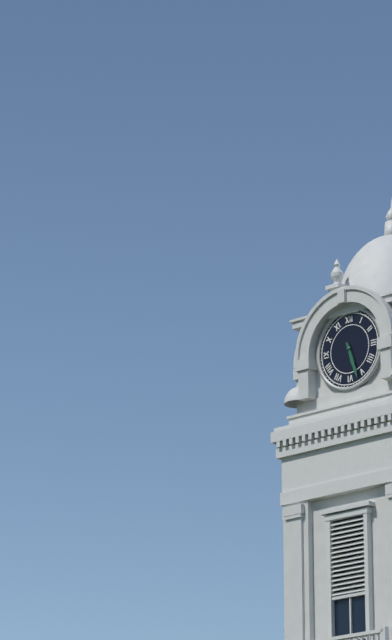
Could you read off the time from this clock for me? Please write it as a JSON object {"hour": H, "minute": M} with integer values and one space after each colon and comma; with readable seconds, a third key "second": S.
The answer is {"hour": 5, "minute": 27}
